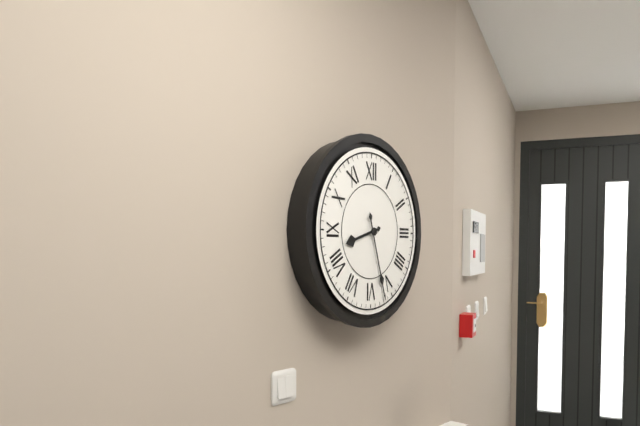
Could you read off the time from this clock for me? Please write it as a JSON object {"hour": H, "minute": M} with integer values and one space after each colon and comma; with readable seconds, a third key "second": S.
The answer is {"hour": 8, "minute": 27}
